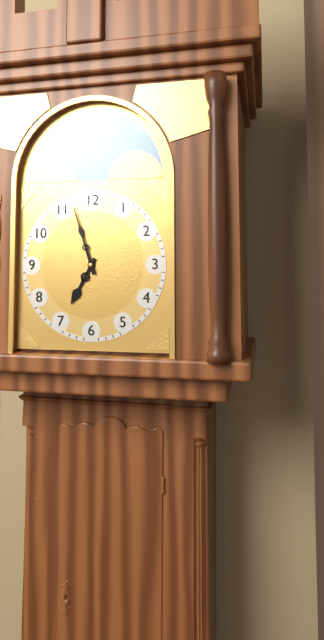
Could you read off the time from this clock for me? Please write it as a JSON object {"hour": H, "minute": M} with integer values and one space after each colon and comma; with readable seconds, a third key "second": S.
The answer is {"hour": 6, "minute": 57}
